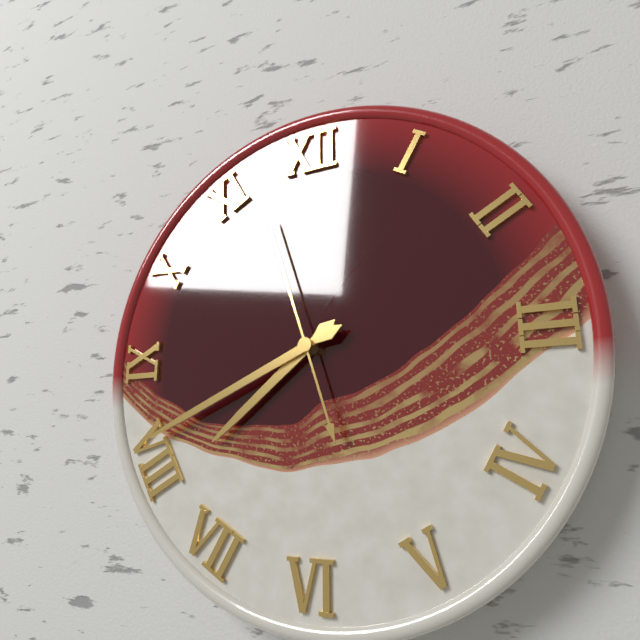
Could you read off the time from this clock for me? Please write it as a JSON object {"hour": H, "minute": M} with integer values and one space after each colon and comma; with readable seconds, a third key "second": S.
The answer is {"hour": 7, "minute": 41, "second": 57}
